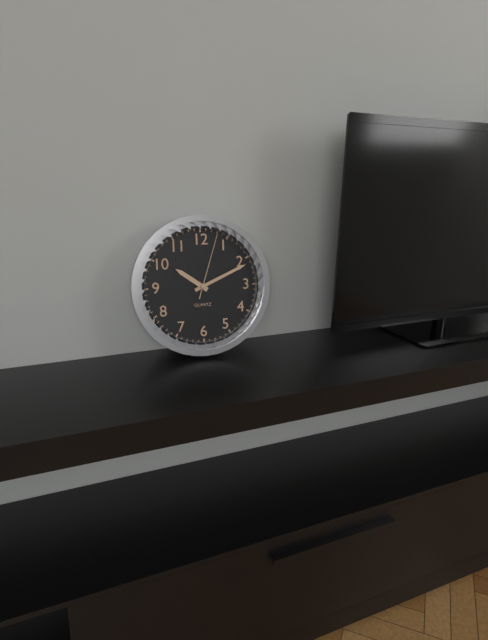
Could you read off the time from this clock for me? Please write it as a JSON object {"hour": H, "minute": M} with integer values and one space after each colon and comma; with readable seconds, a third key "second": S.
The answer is {"hour": 10, "minute": 11, "second": 3}
